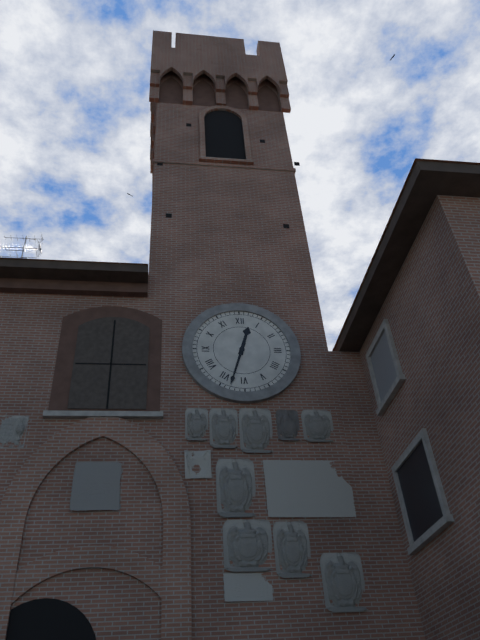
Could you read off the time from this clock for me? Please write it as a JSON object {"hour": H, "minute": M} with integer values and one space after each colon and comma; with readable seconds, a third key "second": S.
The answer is {"hour": 12, "minute": 33}
